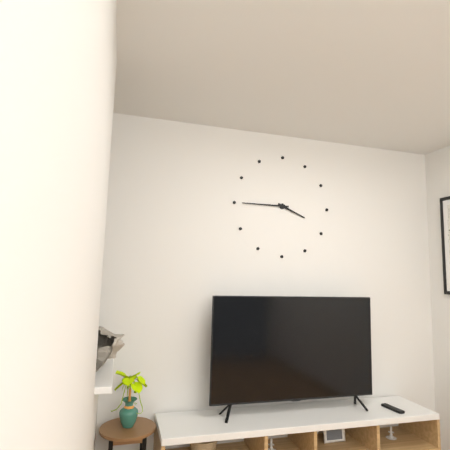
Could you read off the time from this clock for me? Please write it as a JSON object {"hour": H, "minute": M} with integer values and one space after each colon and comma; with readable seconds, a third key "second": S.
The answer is {"hour": 3, "minute": 45}
